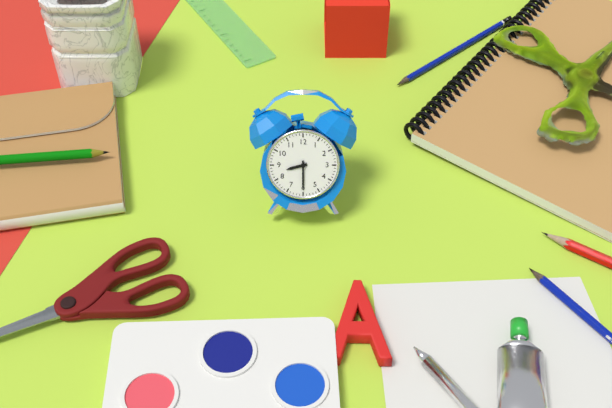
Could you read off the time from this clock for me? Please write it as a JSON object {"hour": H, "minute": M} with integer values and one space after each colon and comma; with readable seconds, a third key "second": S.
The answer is {"hour": 8, "minute": 30}
